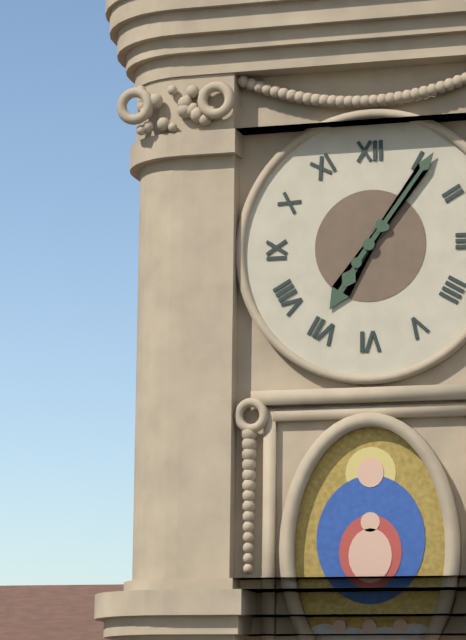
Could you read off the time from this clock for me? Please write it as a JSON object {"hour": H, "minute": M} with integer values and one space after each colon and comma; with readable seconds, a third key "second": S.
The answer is {"hour": 7, "minute": 6}
